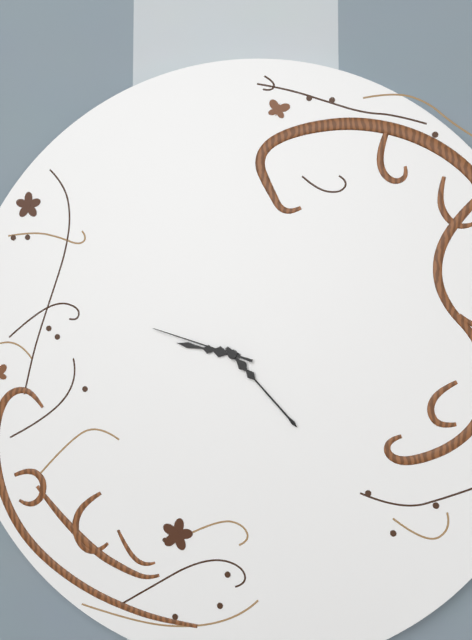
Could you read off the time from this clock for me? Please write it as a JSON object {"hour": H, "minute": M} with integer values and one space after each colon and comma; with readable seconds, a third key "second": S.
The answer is {"hour": 9, "minute": 23, "second": 48}
